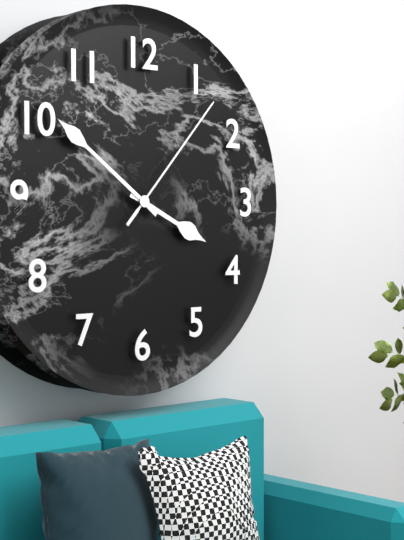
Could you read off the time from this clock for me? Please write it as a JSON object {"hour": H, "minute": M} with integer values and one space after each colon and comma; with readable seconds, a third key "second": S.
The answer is {"hour": 3, "minute": 51, "second": 7}
